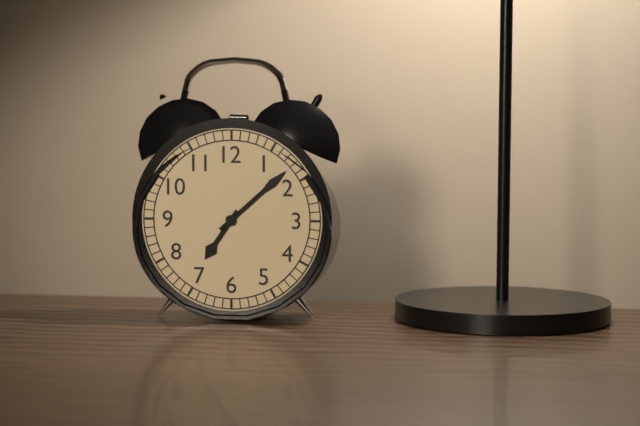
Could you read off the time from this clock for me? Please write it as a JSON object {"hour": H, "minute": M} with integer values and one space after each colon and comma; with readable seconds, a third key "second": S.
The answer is {"hour": 7, "minute": 8}
